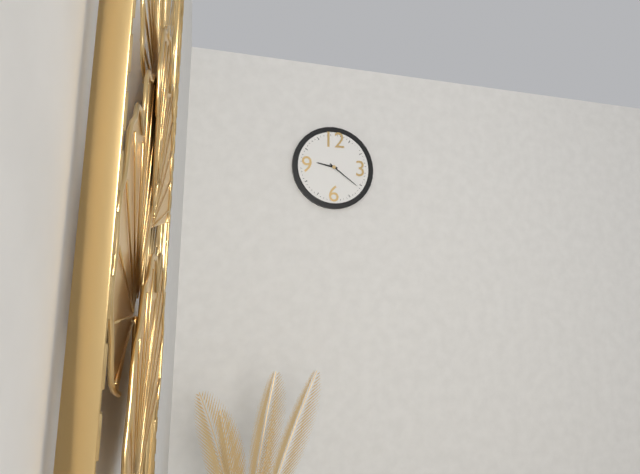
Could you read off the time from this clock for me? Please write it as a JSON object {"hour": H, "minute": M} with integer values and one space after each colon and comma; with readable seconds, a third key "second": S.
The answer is {"hour": 9, "minute": 21}
